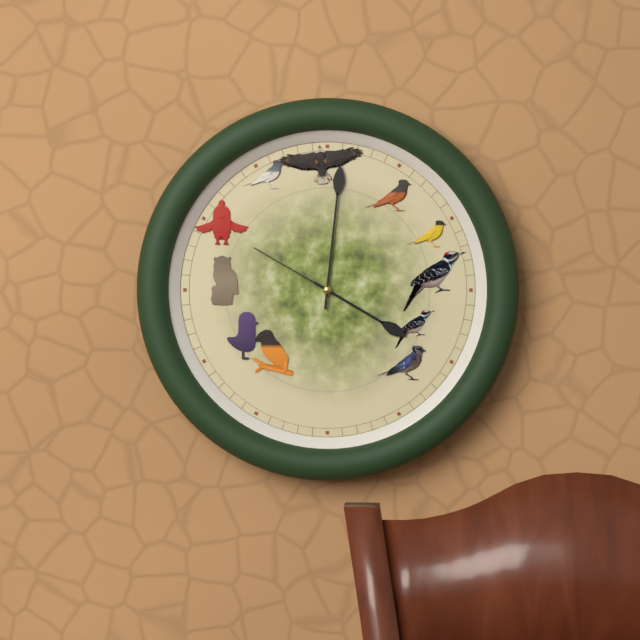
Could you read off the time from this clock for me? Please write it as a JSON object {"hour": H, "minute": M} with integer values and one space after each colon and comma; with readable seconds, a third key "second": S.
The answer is {"hour": 4, "minute": 1, "second": 50}
